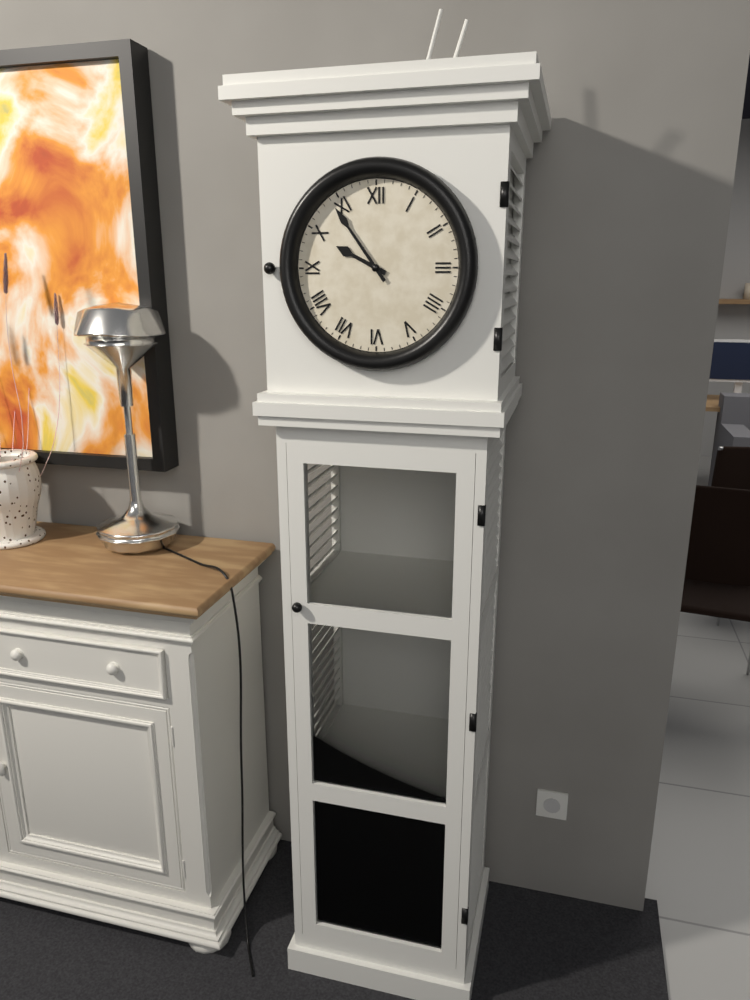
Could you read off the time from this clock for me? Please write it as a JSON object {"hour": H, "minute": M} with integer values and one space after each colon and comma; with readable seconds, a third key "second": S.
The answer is {"hour": 9, "minute": 54}
